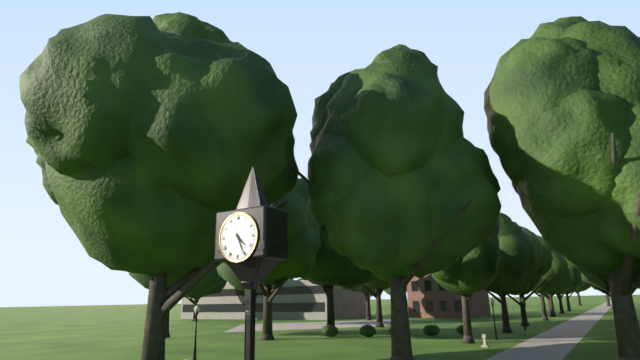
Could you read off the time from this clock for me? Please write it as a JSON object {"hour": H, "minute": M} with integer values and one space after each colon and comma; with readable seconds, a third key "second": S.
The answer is {"hour": 4, "minute": 26}
